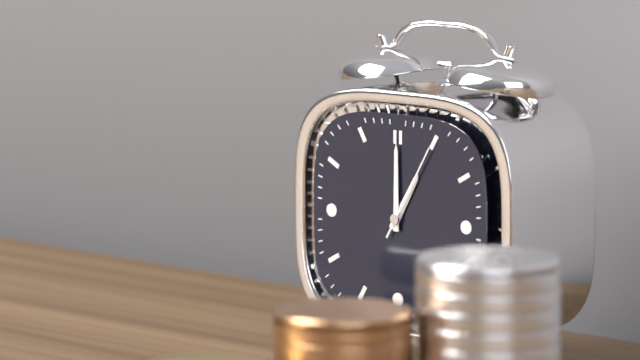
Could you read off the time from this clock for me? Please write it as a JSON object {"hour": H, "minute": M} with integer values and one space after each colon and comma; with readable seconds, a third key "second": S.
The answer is {"hour": 1, "minute": 0, "second": 5}
